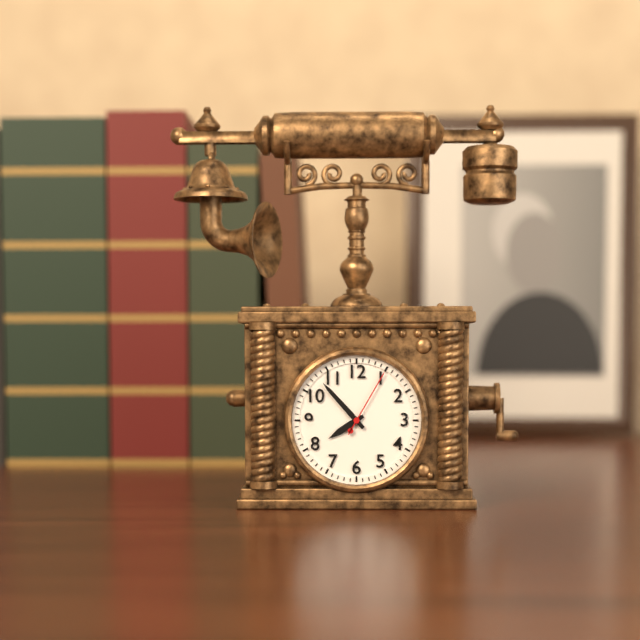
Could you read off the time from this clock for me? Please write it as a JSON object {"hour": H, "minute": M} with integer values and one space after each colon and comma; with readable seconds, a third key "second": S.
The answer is {"hour": 7, "minute": 53, "second": 5}
